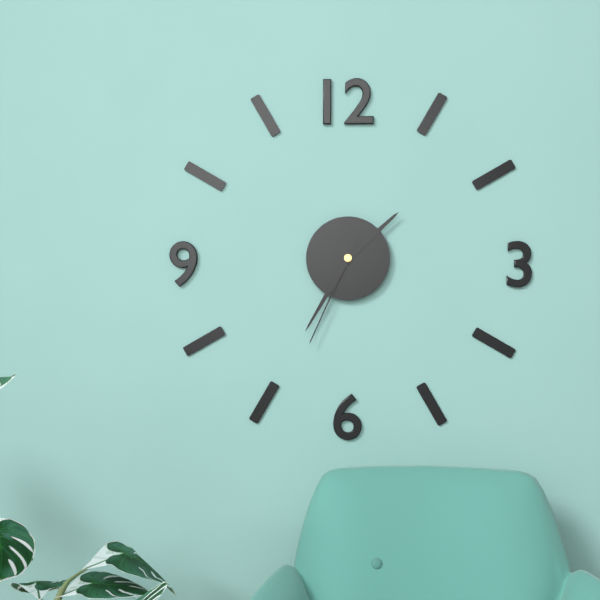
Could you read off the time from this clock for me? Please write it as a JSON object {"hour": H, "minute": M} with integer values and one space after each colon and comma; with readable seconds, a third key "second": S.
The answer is {"hour": 1, "minute": 35, "second": 34}
